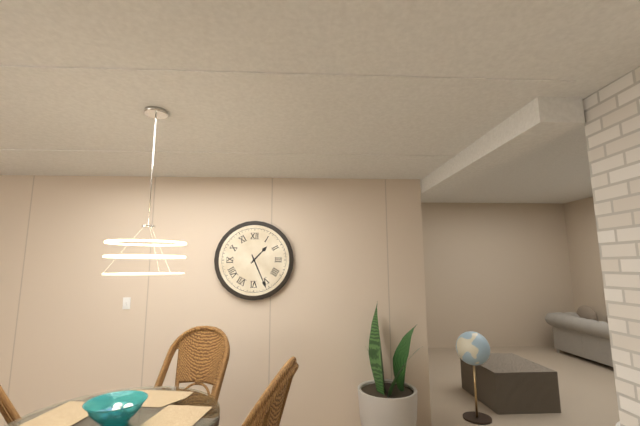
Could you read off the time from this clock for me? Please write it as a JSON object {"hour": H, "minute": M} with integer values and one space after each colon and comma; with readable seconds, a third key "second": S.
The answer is {"hour": 1, "minute": 26}
